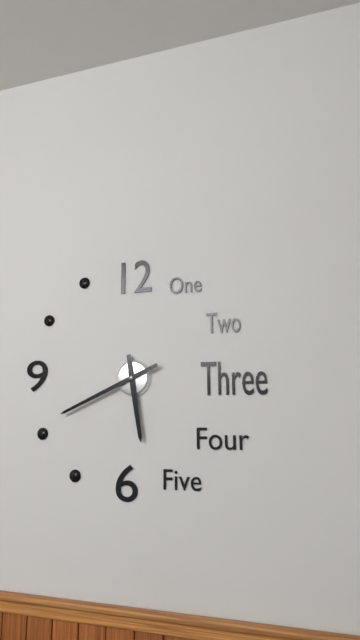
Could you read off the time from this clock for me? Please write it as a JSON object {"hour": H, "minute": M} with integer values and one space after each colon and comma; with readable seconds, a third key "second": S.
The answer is {"hour": 5, "minute": 41}
